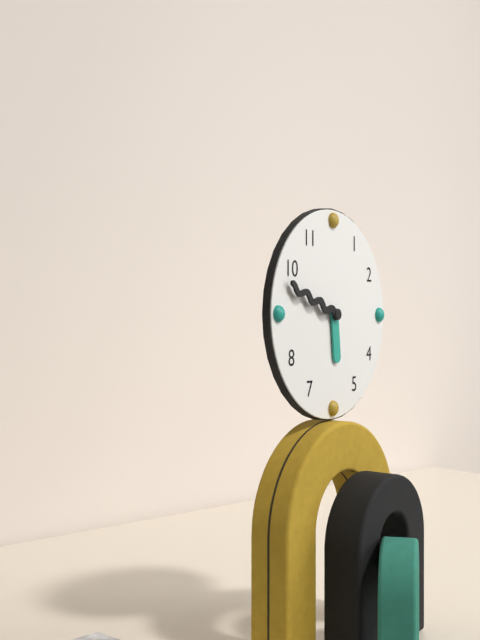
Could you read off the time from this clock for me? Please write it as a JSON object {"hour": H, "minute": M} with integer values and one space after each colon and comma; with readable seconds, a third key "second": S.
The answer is {"hour": 5, "minute": 48}
